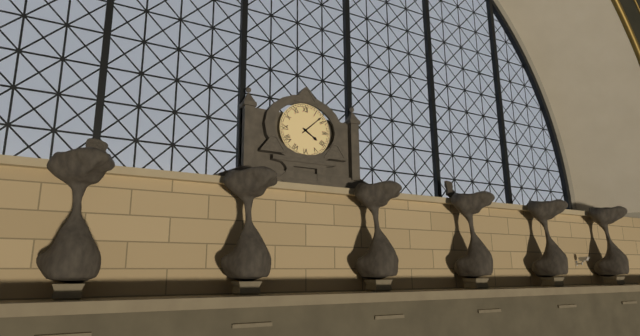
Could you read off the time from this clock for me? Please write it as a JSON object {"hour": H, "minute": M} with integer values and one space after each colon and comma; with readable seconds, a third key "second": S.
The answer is {"hour": 4, "minute": 8}
